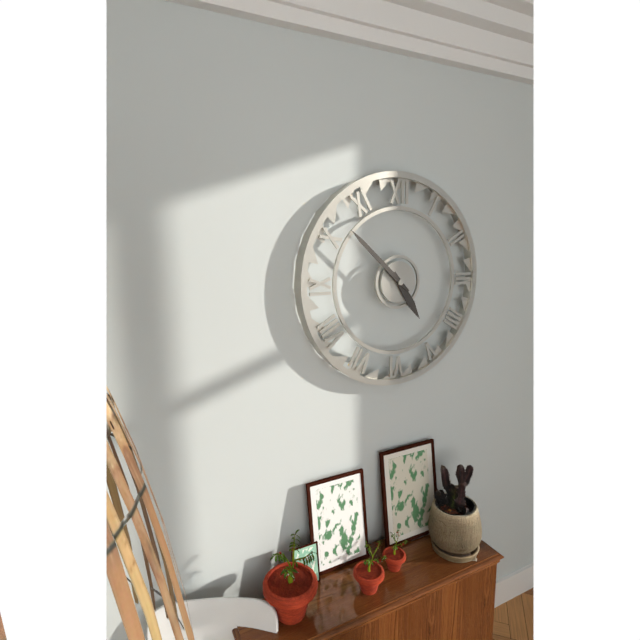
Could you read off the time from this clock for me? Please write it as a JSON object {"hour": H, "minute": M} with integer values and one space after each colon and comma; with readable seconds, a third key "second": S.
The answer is {"hour": 4, "minute": 52}
